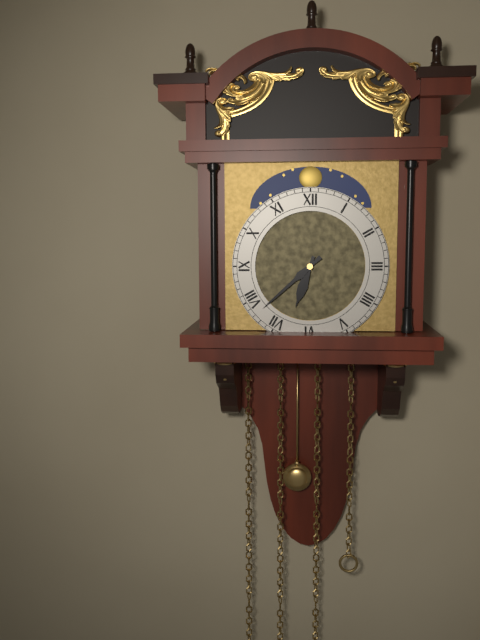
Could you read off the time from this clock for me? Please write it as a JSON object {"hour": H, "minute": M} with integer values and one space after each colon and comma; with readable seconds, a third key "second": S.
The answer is {"hour": 6, "minute": 38}
